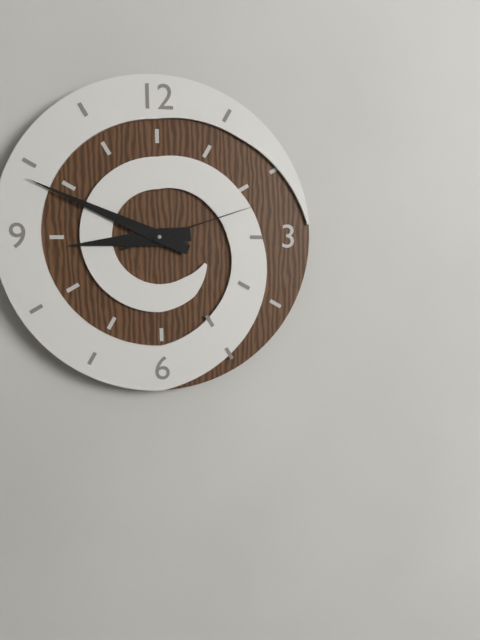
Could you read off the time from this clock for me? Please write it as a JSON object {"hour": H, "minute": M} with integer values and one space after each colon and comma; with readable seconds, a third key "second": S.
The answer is {"hour": 8, "minute": 49, "second": 12}
